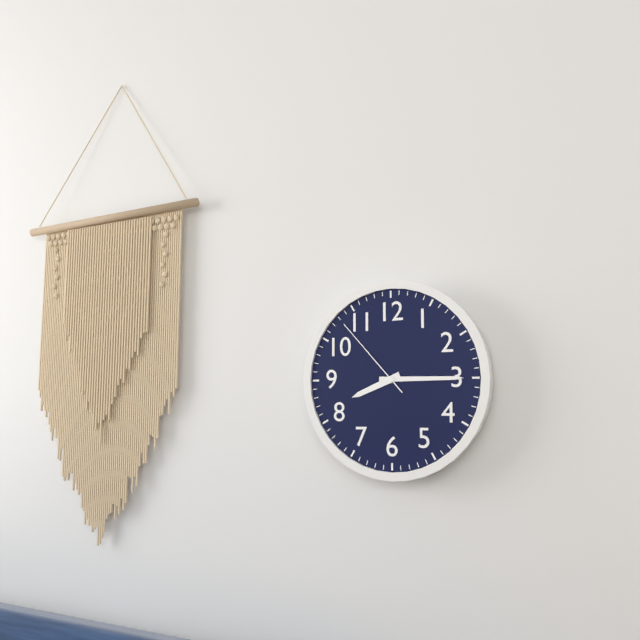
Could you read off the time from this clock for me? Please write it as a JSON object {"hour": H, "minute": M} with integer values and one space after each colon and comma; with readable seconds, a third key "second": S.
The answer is {"hour": 8, "minute": 15, "second": 53}
